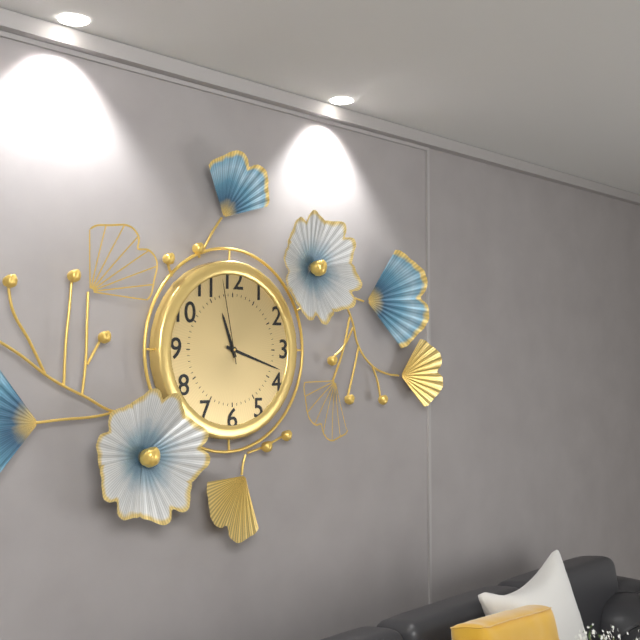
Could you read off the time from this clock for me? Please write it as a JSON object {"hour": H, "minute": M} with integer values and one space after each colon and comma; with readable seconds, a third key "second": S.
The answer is {"hour": 11, "minute": 18, "second": 58}
